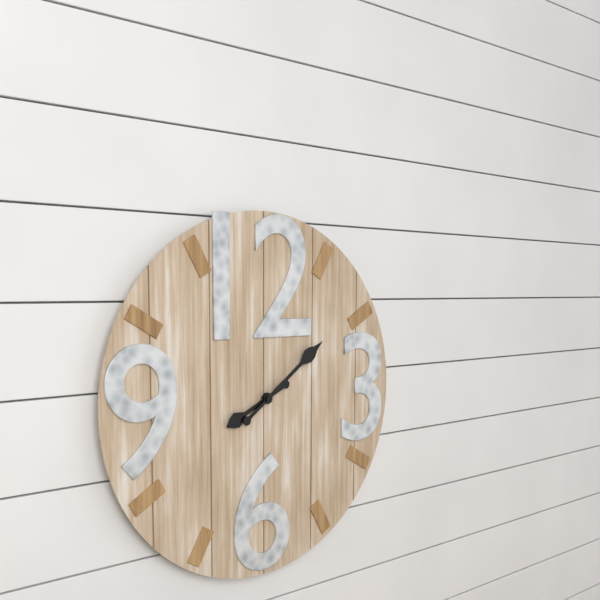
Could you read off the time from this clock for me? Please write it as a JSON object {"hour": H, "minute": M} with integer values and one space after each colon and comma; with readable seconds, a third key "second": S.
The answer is {"hour": 8, "minute": 9}
